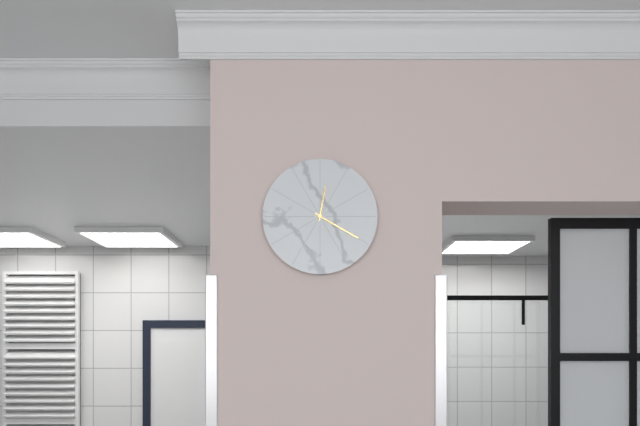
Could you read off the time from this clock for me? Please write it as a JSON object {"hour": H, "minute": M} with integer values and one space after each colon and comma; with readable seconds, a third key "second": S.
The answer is {"hour": 12, "minute": 20}
